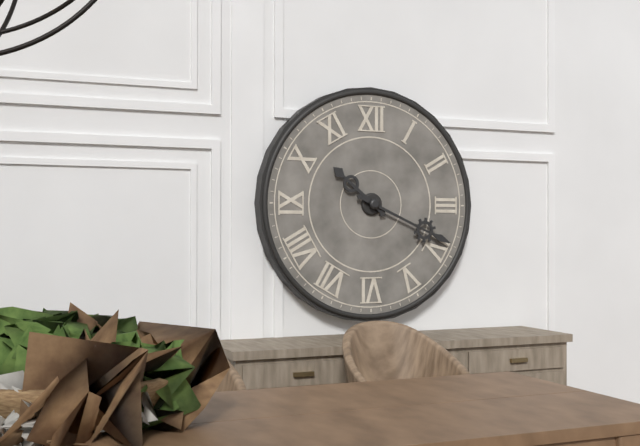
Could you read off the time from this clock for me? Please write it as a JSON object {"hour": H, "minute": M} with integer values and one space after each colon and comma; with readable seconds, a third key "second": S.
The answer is {"hour": 10, "minute": 19}
